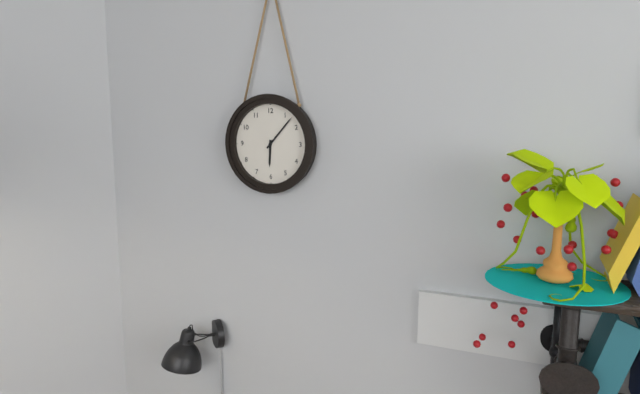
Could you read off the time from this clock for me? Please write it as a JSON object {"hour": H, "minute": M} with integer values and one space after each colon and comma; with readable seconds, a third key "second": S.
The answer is {"hour": 6, "minute": 7}
